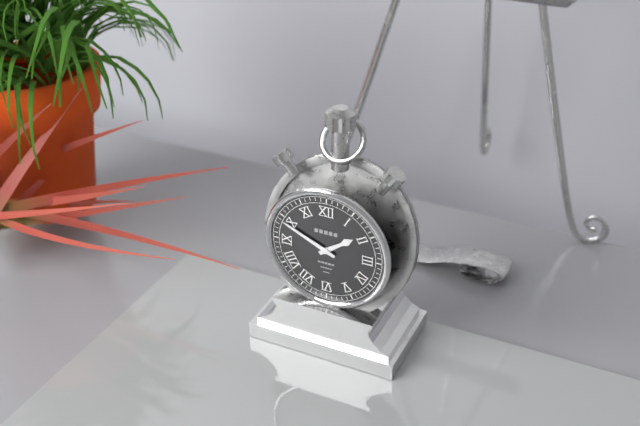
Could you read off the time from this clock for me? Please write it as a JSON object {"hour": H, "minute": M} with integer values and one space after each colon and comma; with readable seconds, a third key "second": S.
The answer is {"hour": 1, "minute": 49}
